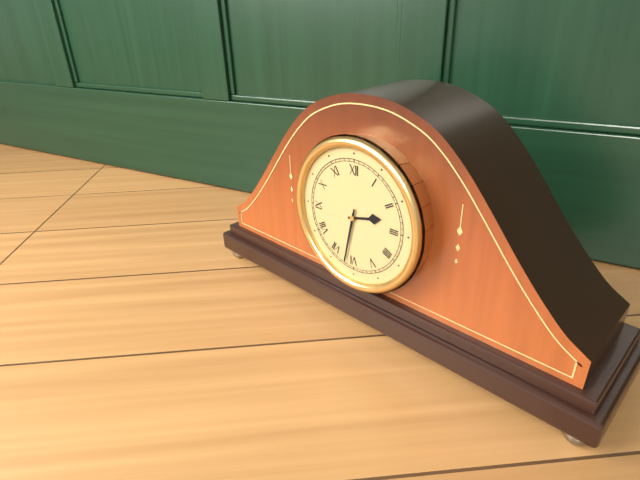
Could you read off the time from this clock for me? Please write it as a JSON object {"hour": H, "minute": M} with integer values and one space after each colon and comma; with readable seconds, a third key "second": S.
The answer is {"hour": 2, "minute": 32}
